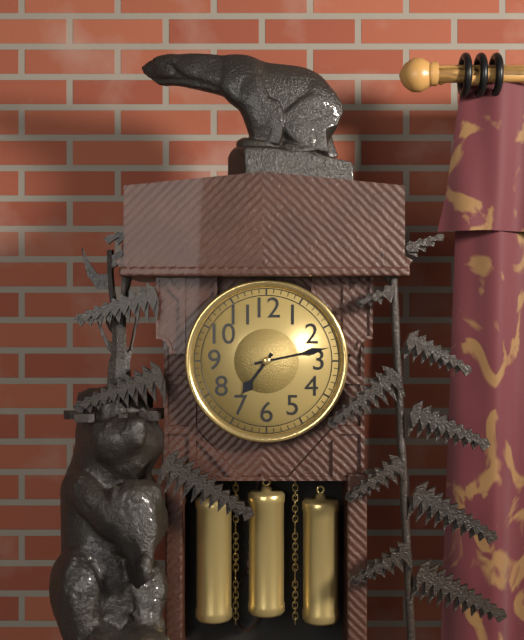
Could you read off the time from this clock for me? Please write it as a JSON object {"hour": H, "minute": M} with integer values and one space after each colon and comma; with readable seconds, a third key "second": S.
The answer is {"hour": 7, "minute": 13}
